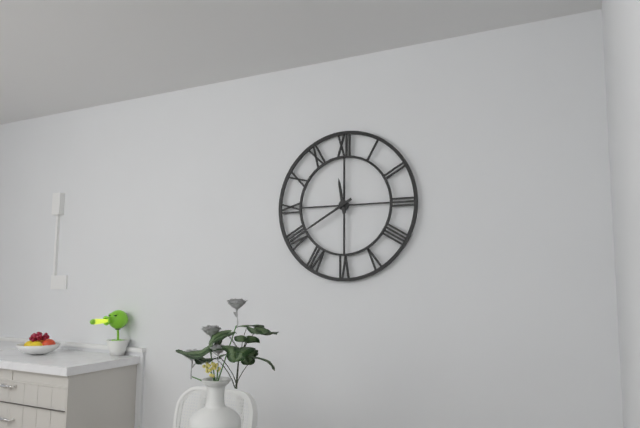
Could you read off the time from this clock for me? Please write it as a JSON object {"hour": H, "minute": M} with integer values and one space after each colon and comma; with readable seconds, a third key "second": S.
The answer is {"hour": 11, "minute": 40}
